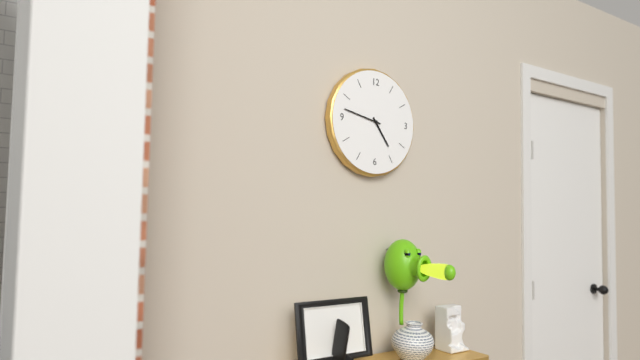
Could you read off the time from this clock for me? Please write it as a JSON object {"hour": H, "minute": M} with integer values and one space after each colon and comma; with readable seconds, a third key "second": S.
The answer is {"hour": 4, "minute": 47}
